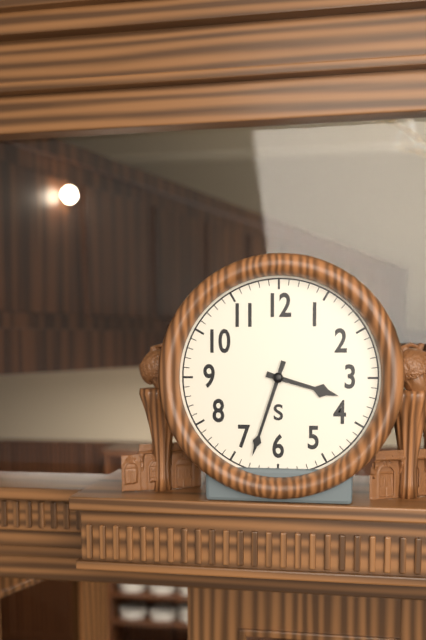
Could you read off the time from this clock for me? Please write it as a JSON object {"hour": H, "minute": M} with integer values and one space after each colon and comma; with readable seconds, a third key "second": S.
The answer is {"hour": 3, "minute": 33}
